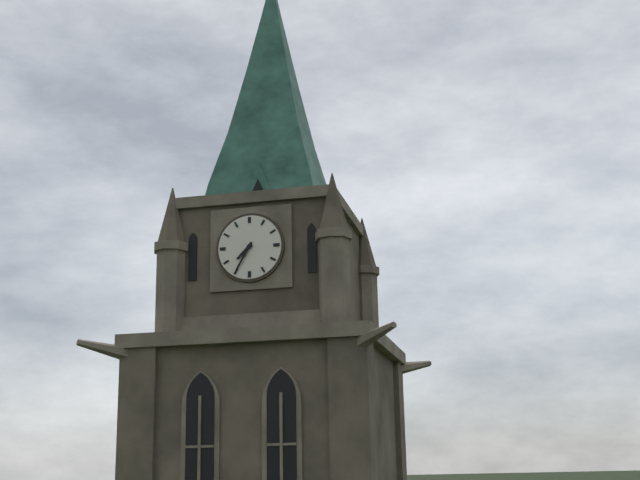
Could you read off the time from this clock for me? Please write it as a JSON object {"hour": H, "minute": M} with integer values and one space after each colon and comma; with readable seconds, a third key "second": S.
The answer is {"hour": 7, "minute": 35}
